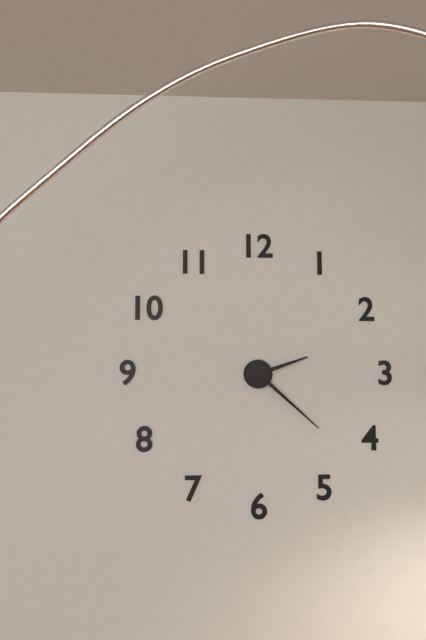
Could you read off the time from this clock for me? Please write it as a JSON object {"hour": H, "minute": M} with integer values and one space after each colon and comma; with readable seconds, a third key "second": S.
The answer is {"hour": 2, "minute": 22}
